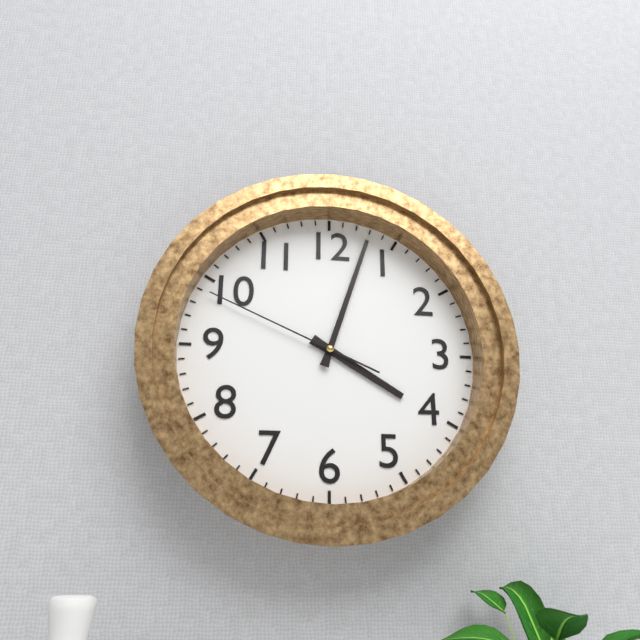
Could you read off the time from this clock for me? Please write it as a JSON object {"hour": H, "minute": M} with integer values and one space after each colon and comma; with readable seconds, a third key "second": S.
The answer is {"hour": 4, "minute": 3, "second": 49}
